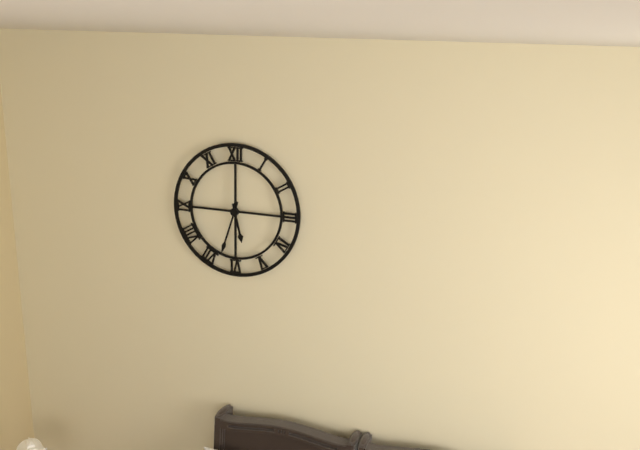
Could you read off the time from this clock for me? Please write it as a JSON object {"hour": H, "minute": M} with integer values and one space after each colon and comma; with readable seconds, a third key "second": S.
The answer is {"hour": 5, "minute": 33}
